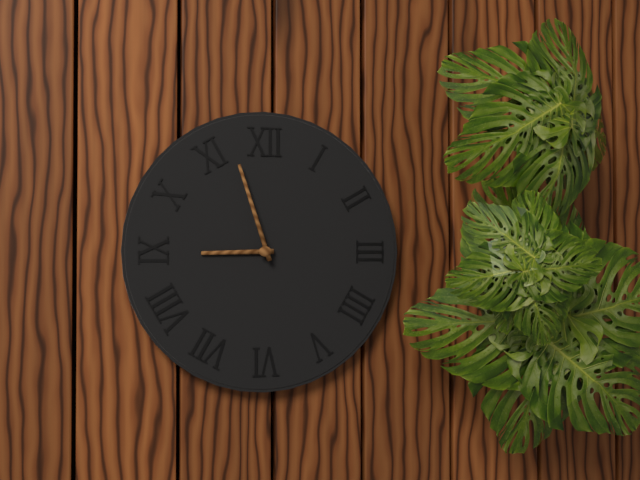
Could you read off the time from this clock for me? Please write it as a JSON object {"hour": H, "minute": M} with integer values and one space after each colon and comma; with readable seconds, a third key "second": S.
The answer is {"hour": 8, "minute": 57}
